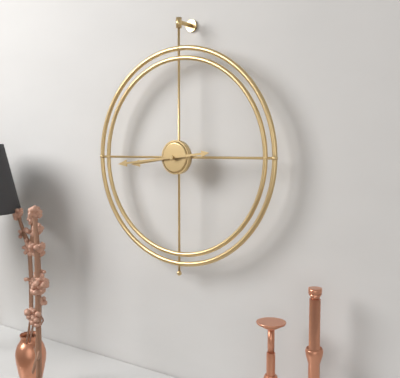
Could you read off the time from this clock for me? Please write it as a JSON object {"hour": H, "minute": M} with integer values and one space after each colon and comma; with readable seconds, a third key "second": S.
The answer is {"hour": 8, "minute": 44}
